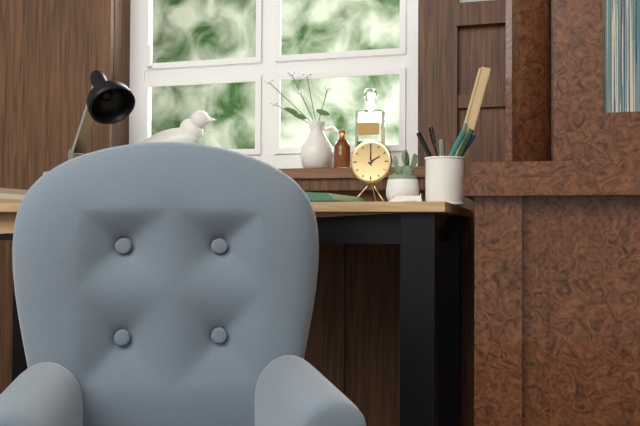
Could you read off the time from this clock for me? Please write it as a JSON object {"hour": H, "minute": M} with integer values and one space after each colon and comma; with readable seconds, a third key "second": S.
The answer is {"hour": 2, "minute": 0}
